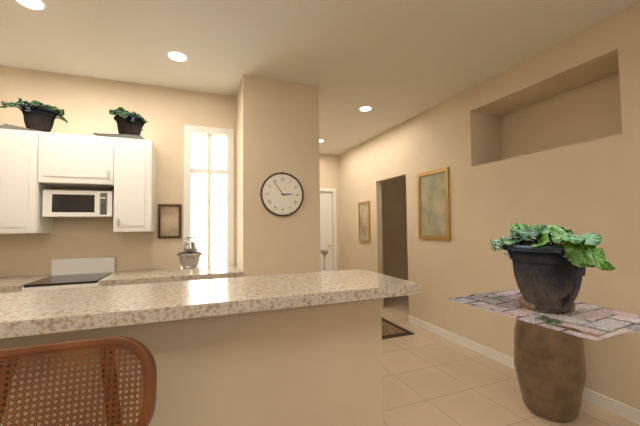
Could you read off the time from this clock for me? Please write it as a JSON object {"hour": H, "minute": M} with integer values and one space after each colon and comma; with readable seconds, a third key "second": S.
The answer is {"hour": 2, "minute": 54}
